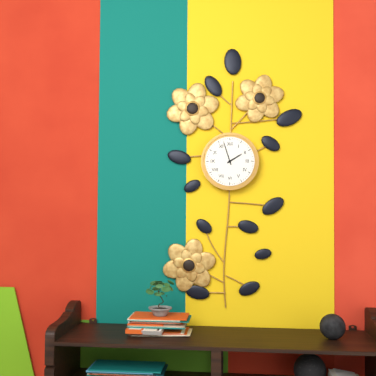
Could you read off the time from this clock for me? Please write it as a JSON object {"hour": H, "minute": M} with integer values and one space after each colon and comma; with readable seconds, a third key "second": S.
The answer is {"hour": 1, "minute": 57}
